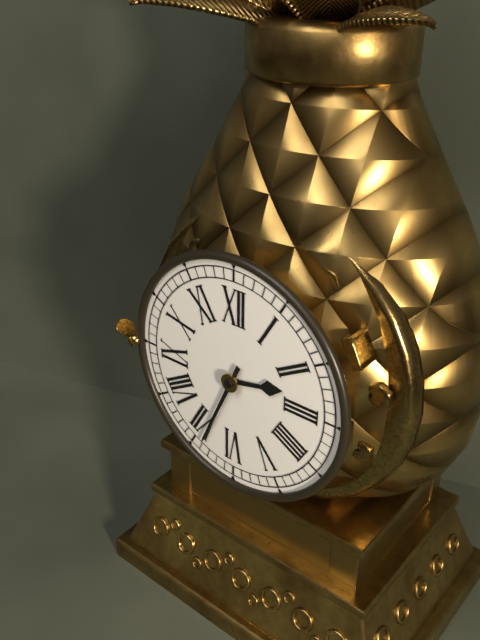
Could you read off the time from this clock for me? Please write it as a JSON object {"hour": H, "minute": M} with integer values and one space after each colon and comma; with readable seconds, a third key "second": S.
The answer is {"hour": 2, "minute": 34}
